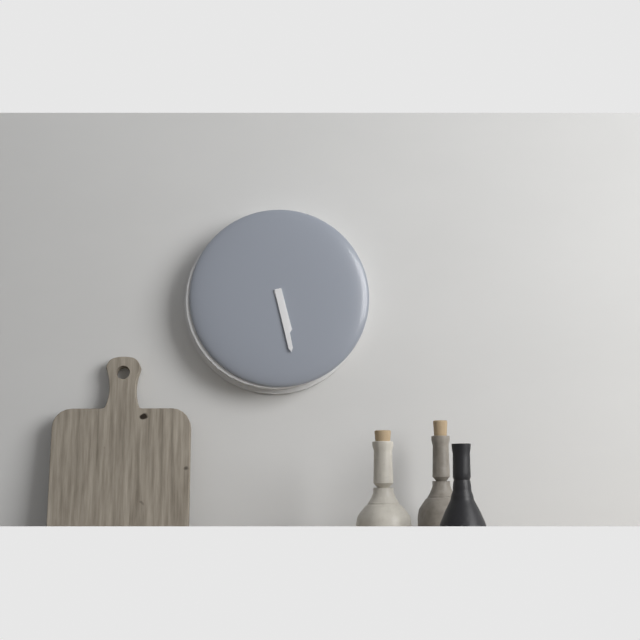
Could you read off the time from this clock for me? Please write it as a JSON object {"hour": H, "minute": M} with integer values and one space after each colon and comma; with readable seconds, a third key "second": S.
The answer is {"hour": 5, "minute": 28}
